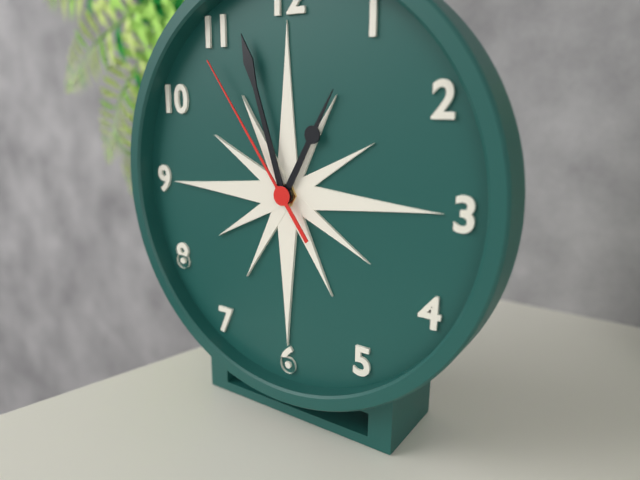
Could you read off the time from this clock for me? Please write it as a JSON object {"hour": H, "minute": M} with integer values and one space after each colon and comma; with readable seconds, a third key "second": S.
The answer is {"hour": 12, "minute": 57, "second": 54}
